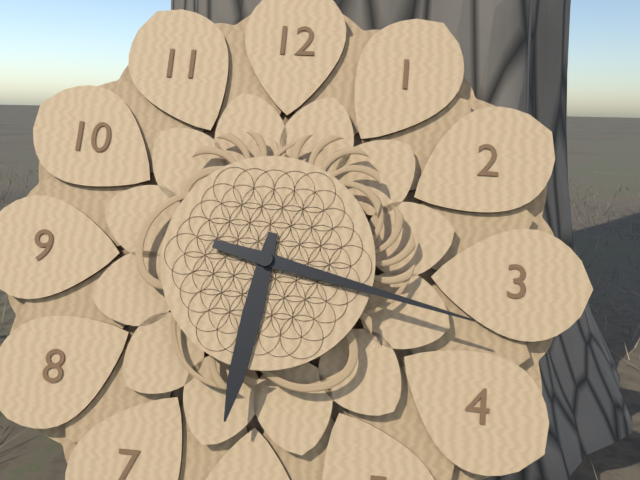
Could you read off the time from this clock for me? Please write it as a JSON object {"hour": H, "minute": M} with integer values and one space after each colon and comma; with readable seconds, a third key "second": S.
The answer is {"hour": 6, "minute": 17}
